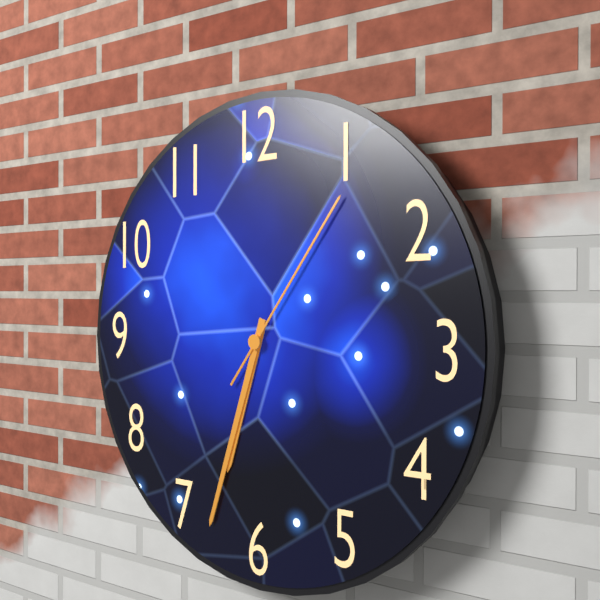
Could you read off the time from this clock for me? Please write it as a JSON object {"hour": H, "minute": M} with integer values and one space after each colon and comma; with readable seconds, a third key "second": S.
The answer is {"hour": 6, "minute": 33, "second": 6}
